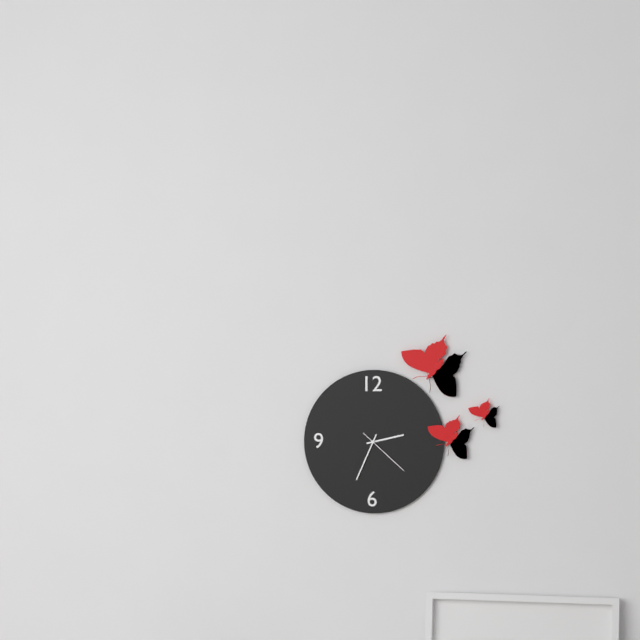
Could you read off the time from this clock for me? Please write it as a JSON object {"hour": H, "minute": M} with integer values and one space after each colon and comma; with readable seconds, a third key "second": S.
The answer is {"hour": 2, "minute": 34, "second": 22}
